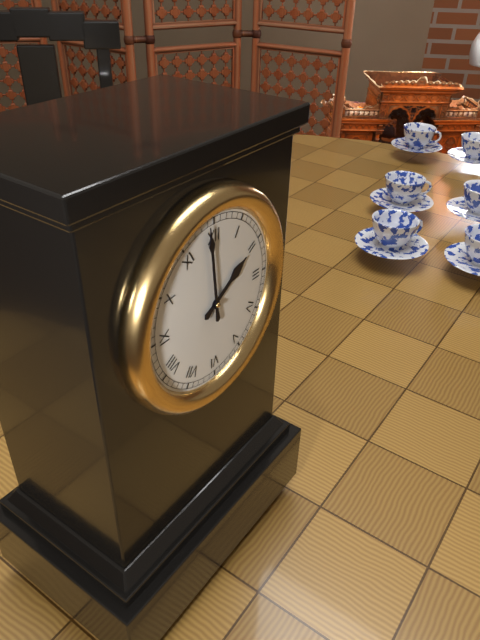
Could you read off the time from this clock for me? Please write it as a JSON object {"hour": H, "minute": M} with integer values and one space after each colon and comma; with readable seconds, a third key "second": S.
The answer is {"hour": 1, "minute": 59}
